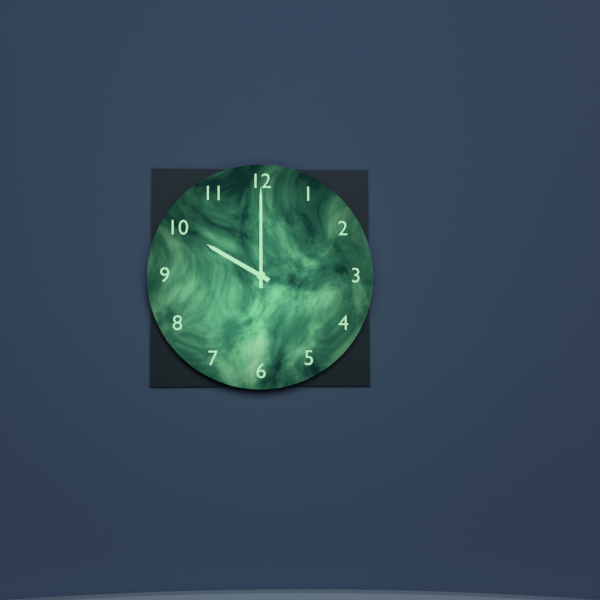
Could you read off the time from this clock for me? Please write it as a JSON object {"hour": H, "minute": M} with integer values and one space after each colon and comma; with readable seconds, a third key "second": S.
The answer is {"hour": 10, "minute": 0}
